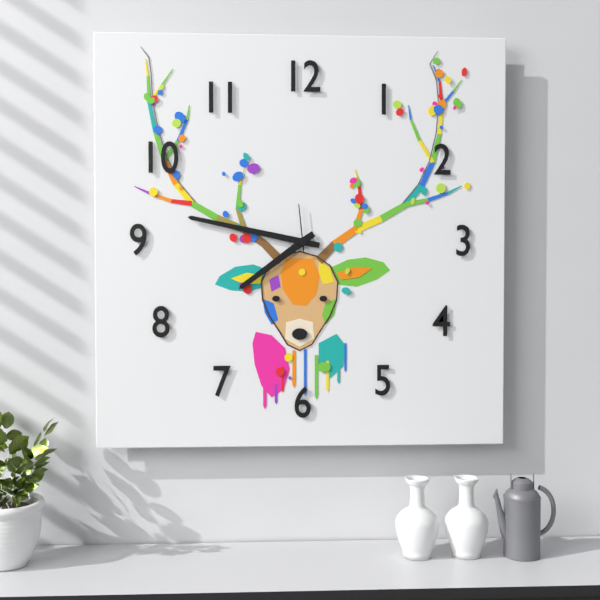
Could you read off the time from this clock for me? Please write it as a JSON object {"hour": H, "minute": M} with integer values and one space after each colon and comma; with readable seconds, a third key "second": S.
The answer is {"hour": 7, "minute": 47}
